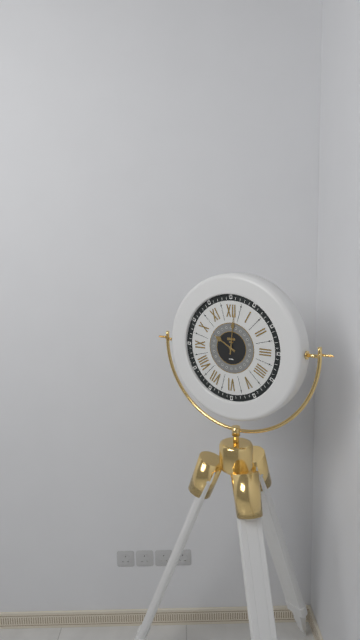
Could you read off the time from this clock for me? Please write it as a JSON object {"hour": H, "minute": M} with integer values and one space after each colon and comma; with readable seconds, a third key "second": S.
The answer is {"hour": 10, "minute": 1}
